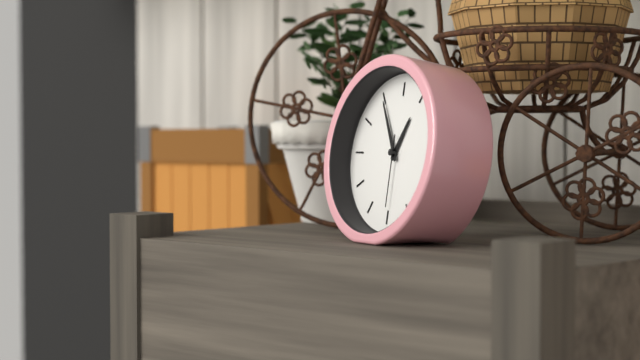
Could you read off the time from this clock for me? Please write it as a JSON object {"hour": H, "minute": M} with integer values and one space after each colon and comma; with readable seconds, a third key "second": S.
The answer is {"hour": 12, "minute": 55, "second": 30}
